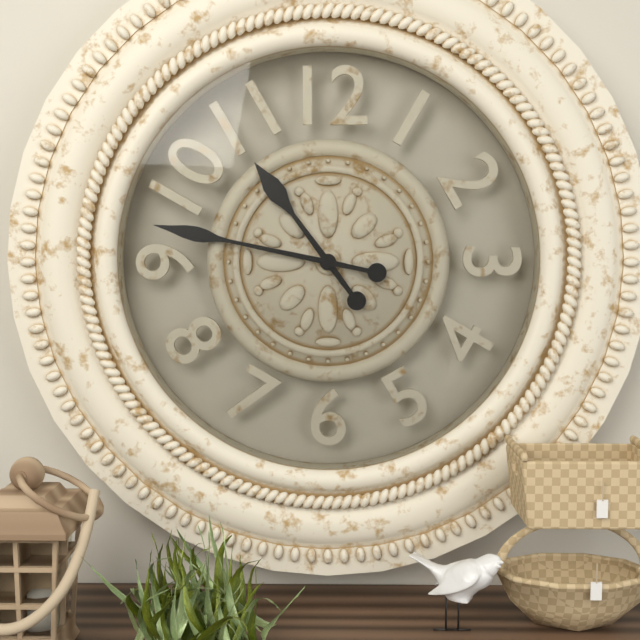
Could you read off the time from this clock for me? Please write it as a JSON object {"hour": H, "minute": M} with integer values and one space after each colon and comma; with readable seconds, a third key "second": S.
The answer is {"hour": 10, "minute": 47}
